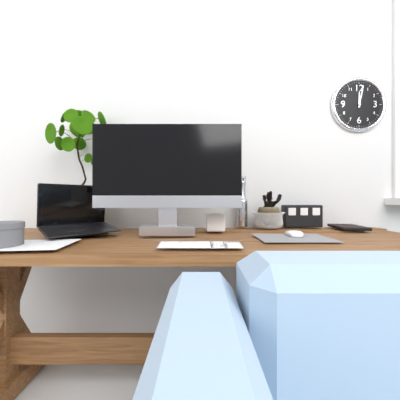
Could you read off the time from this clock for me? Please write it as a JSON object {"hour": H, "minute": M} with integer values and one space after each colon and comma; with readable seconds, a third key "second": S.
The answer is {"hour": 12, "minute": 2}
